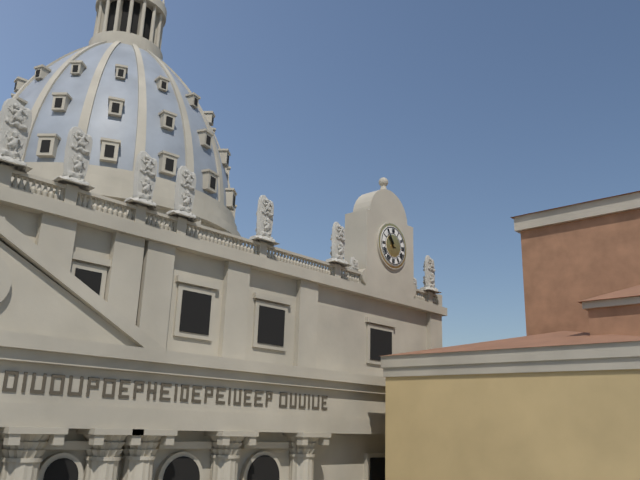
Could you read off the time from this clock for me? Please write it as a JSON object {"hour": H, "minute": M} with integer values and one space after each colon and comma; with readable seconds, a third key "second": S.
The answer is {"hour": 10, "minute": 54}
